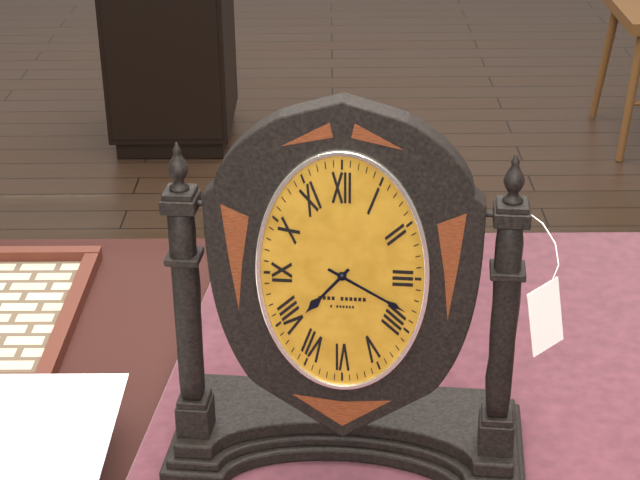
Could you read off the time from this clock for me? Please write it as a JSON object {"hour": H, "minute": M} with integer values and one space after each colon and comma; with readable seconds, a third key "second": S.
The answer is {"hour": 7, "minute": 20}
